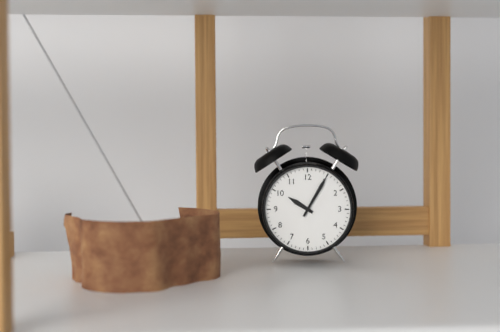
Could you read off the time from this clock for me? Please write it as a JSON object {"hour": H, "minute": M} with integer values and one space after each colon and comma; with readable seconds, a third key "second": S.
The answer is {"hour": 10, "minute": 5}
